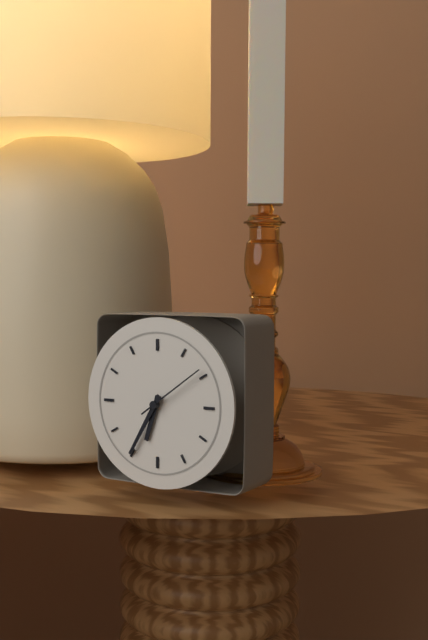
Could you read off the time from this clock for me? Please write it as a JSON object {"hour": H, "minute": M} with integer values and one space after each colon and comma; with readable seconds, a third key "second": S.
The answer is {"hour": 6, "minute": 35}
